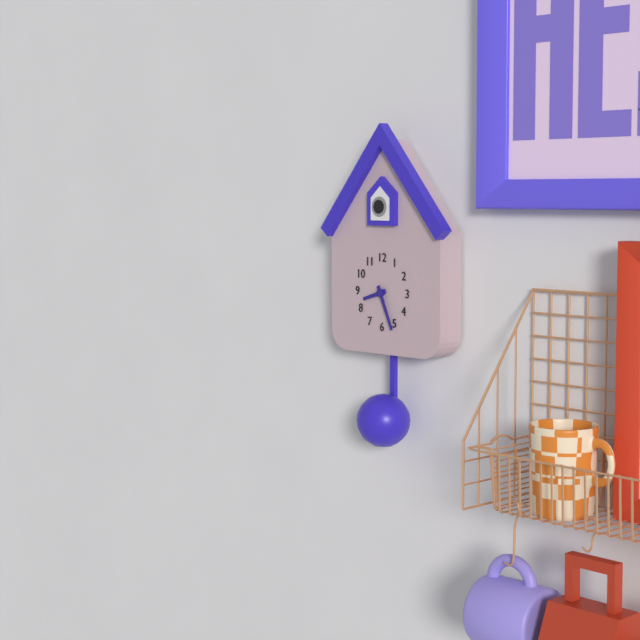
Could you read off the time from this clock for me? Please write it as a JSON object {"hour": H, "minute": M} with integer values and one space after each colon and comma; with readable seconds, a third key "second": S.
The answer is {"hour": 8, "minute": 26}
